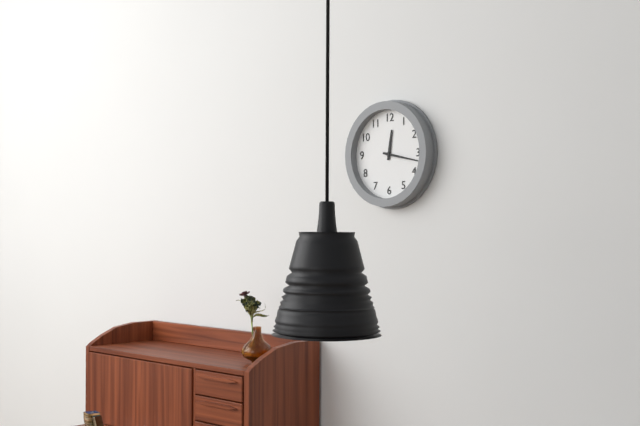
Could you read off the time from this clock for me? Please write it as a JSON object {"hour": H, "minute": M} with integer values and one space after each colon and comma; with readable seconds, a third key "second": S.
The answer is {"hour": 12, "minute": 17}
